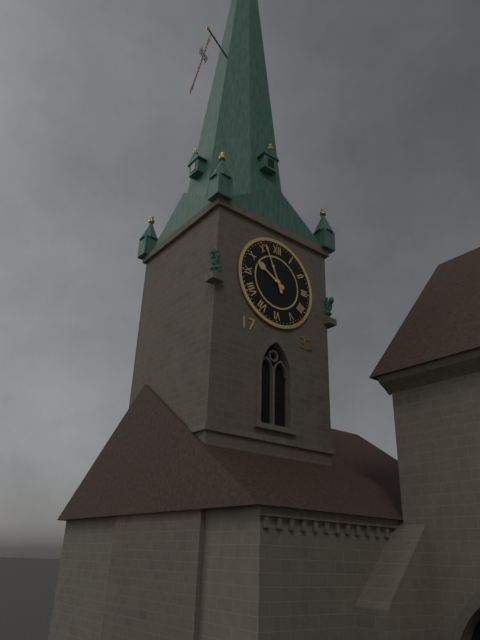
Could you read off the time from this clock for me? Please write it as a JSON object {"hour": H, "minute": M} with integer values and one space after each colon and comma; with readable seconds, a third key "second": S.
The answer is {"hour": 9, "minute": 56}
